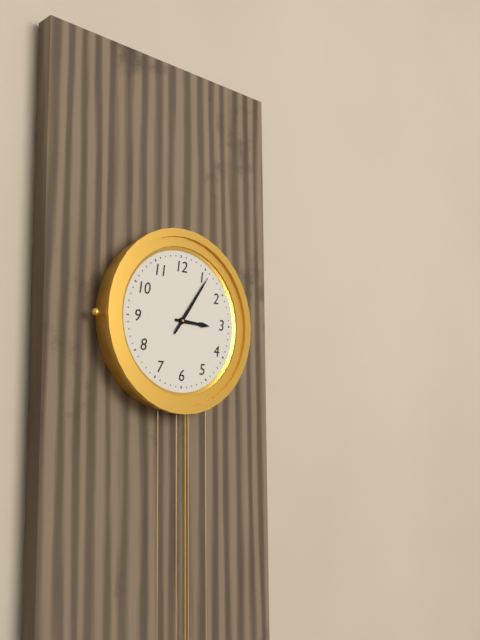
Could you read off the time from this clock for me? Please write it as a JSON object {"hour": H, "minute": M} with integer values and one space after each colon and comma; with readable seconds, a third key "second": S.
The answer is {"hour": 3, "minute": 6}
